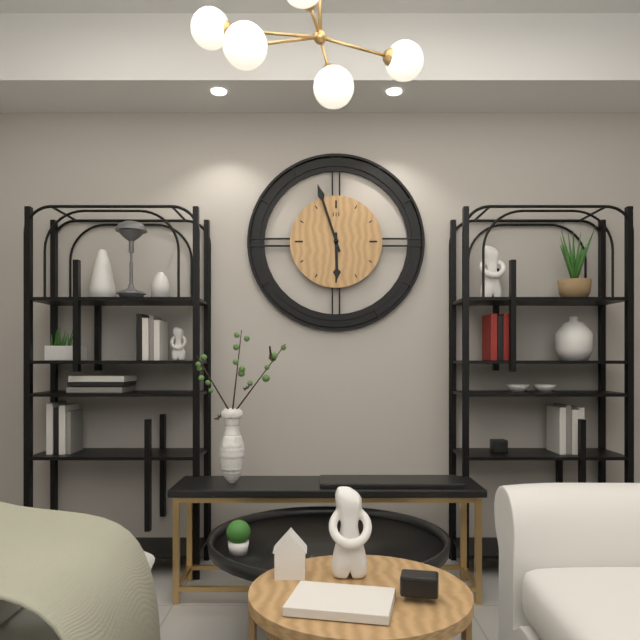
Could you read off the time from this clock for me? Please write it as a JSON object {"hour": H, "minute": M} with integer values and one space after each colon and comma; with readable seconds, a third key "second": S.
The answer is {"hour": 5, "minute": 57}
